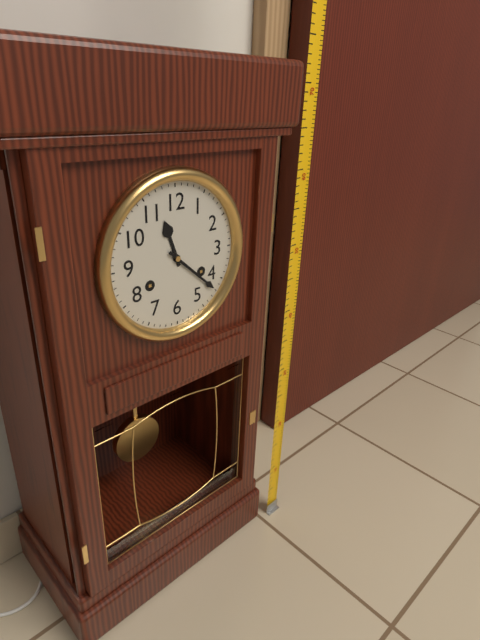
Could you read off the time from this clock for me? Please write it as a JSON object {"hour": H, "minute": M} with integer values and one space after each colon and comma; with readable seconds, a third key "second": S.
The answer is {"hour": 11, "minute": 22}
